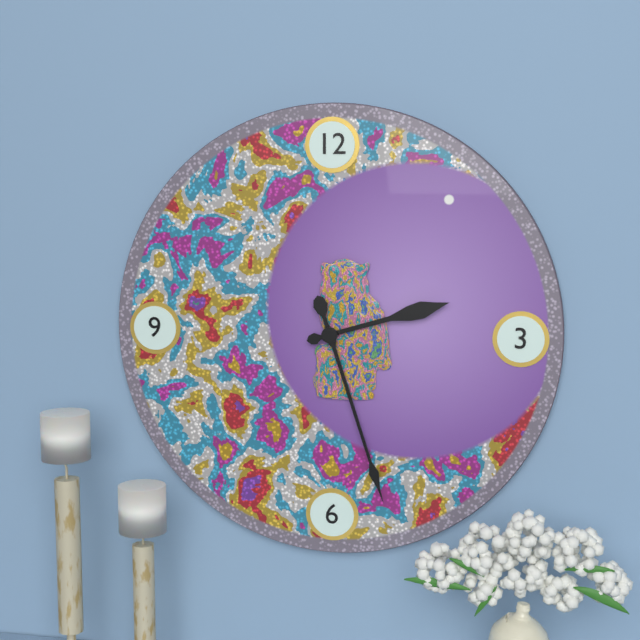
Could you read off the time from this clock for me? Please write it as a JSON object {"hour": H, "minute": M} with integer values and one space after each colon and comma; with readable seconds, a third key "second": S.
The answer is {"hour": 2, "minute": 27}
